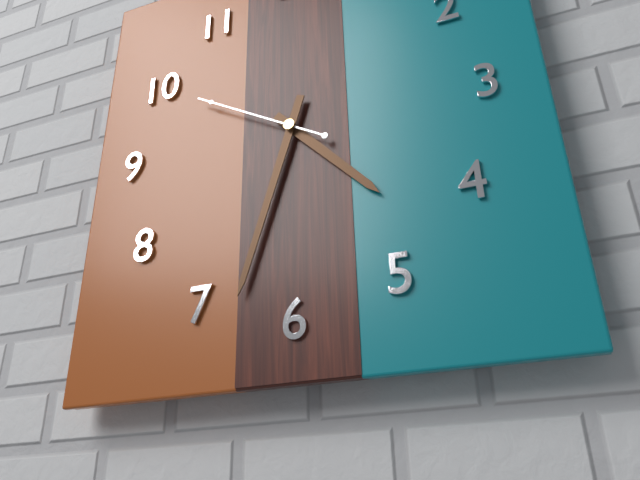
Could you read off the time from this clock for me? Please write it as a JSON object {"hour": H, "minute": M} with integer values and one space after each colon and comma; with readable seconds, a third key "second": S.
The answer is {"hour": 4, "minute": 33, "second": 50}
